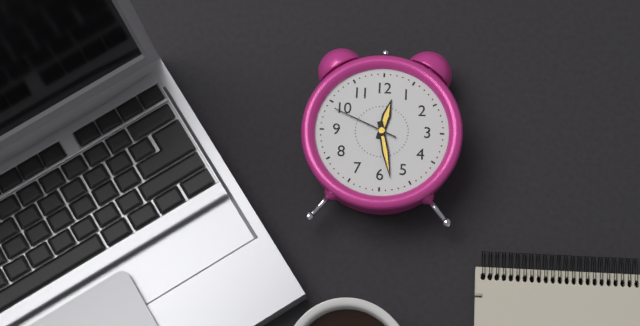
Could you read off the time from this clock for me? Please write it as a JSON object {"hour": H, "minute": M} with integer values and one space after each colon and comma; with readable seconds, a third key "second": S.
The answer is {"hour": 12, "minute": 28, "second": 49}
